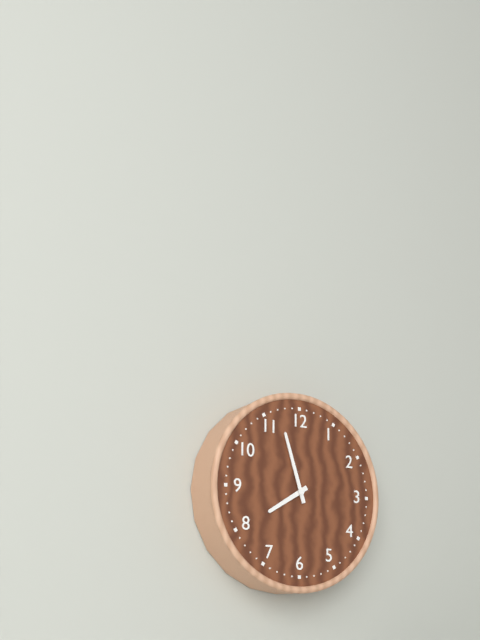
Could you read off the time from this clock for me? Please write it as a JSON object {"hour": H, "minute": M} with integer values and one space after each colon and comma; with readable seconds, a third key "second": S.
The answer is {"hour": 7, "minute": 57}
